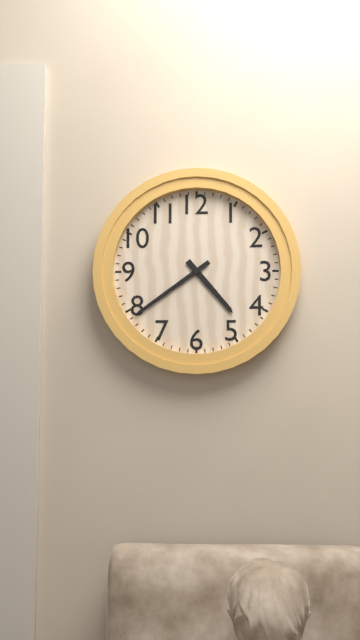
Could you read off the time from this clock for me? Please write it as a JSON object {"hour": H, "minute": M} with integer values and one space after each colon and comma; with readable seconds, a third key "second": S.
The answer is {"hour": 4, "minute": 39}
